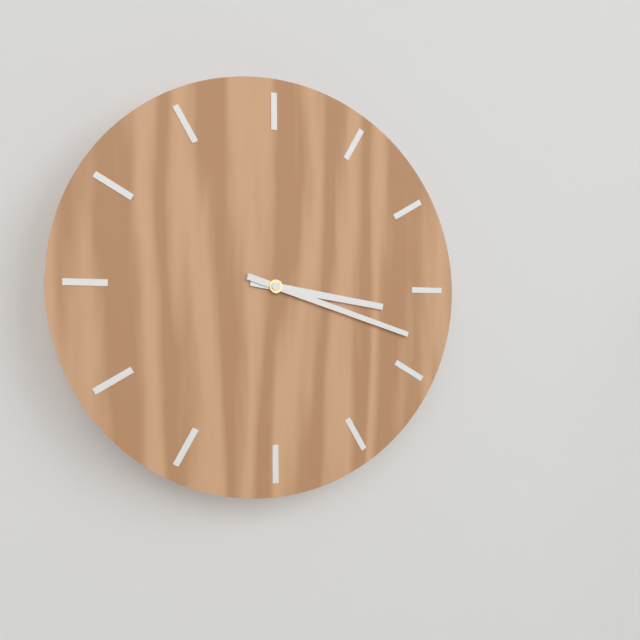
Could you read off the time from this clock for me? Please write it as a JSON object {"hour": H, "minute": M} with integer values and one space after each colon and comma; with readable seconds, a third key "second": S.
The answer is {"hour": 3, "minute": 18}
